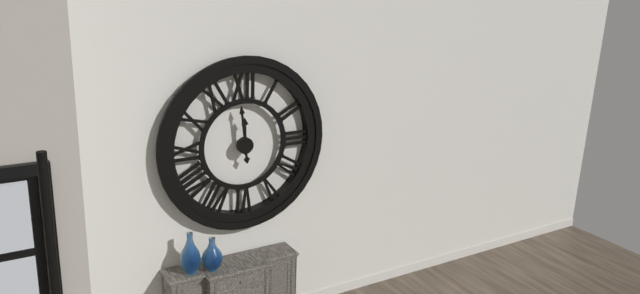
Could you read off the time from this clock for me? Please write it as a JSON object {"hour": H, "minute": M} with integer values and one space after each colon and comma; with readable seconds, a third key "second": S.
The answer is {"hour": 11, "minute": 59}
